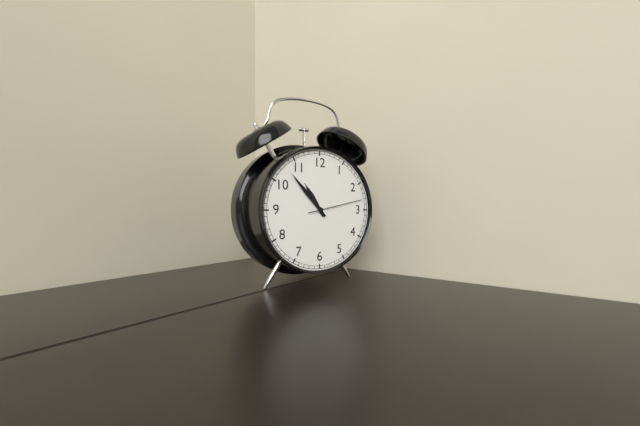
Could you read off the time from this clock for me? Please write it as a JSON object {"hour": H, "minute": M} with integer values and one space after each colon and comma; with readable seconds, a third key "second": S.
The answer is {"hour": 10, "minute": 53, "second": 13}
